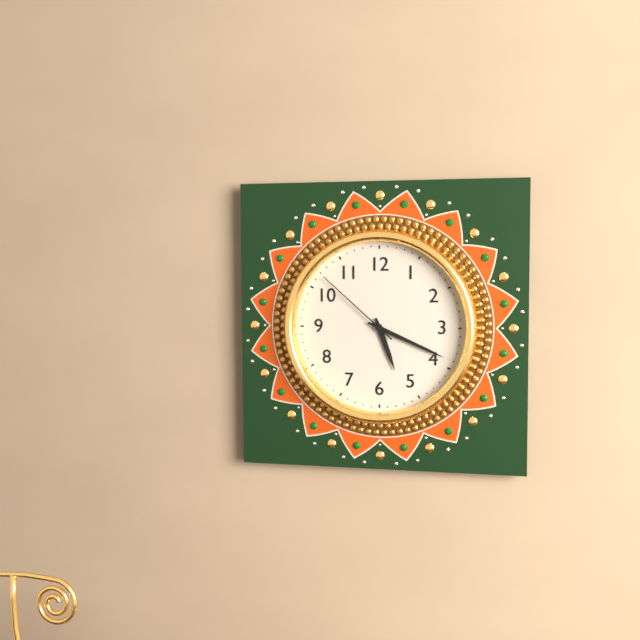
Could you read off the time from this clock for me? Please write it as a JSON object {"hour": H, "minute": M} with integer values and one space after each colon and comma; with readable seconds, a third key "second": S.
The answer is {"hour": 5, "minute": 19, "second": 52}
